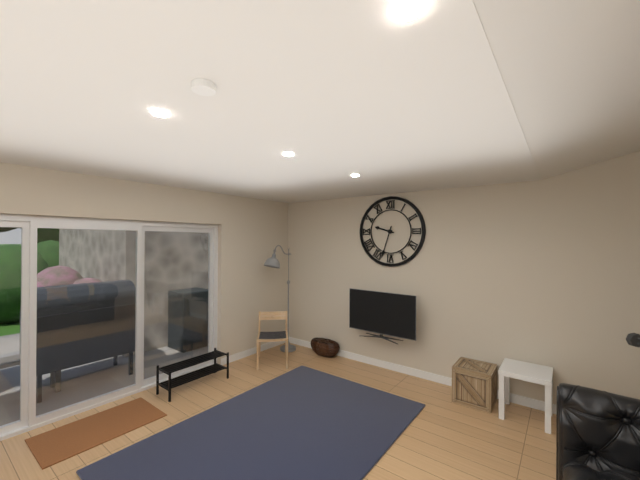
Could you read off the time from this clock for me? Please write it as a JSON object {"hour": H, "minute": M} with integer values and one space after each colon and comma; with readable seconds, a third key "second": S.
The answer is {"hour": 9, "minute": 33}
